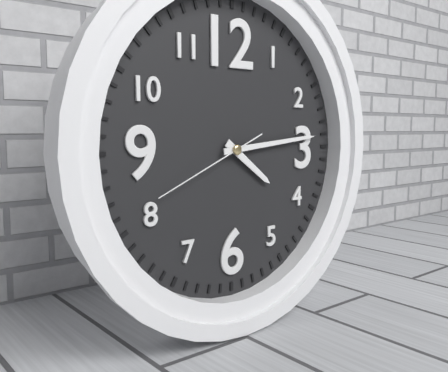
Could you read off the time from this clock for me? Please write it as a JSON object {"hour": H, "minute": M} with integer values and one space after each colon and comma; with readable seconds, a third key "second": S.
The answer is {"hour": 4, "minute": 14, "second": 41}
